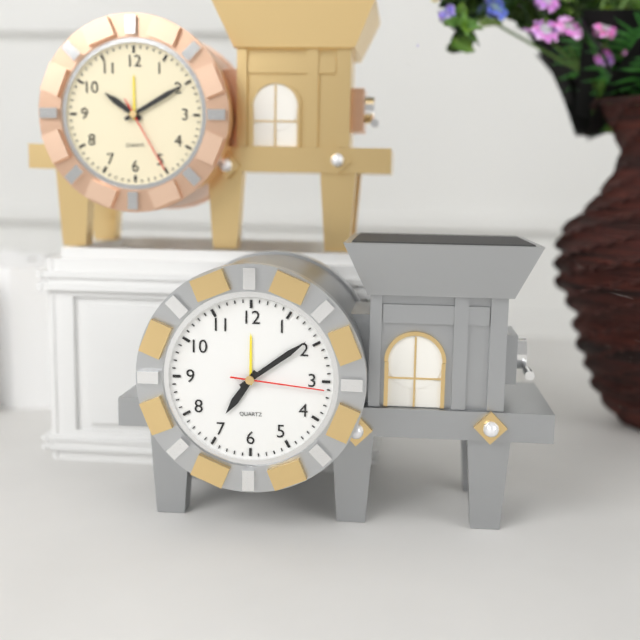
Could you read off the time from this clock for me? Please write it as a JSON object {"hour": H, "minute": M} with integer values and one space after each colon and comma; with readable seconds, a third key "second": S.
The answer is {"hour": 7, "minute": 9, "second": 16}
